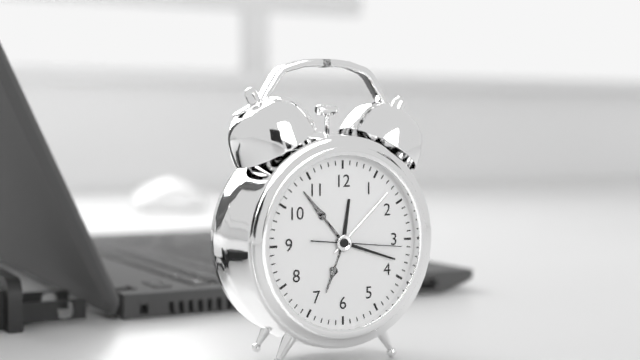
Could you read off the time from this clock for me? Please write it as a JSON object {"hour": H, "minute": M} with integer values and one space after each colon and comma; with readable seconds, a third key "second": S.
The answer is {"hour": 12, "minute": 18, "second": 16}
